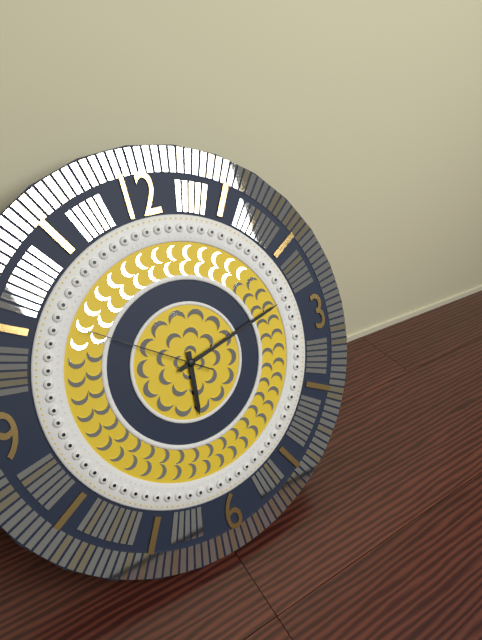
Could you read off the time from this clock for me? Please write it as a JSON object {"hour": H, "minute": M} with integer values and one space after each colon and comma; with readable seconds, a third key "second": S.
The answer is {"hour": 6, "minute": 13, "second": 51}
